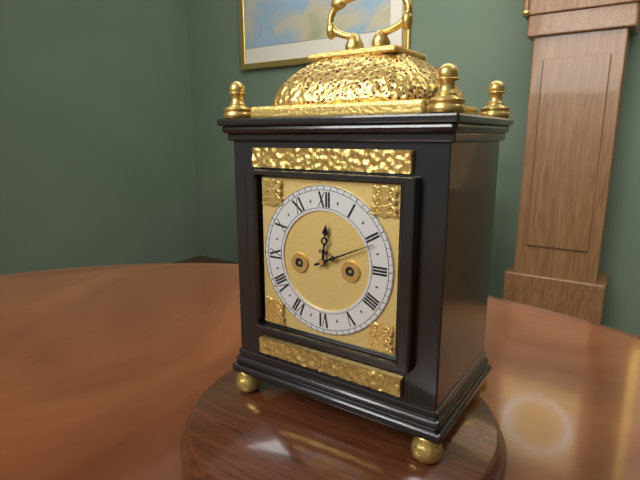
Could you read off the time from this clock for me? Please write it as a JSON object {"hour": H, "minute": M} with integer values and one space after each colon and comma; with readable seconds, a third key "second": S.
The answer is {"hour": 12, "minute": 11}
